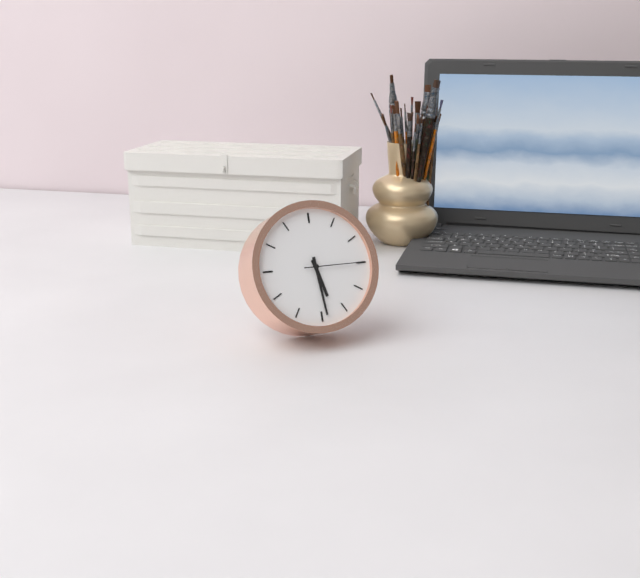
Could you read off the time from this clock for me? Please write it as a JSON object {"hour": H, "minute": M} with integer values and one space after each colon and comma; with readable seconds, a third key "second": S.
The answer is {"hour": 5, "minute": 29, "second": 15}
